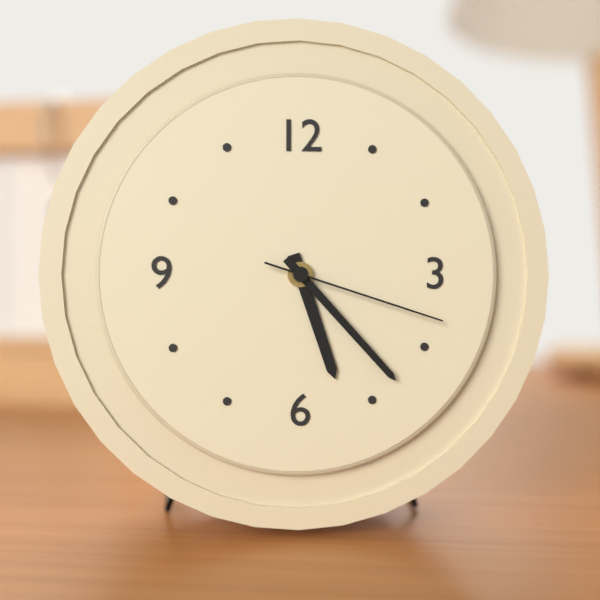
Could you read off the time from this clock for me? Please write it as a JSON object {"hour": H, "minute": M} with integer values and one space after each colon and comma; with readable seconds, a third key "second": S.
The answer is {"hour": 5, "minute": 23, "second": 18}
